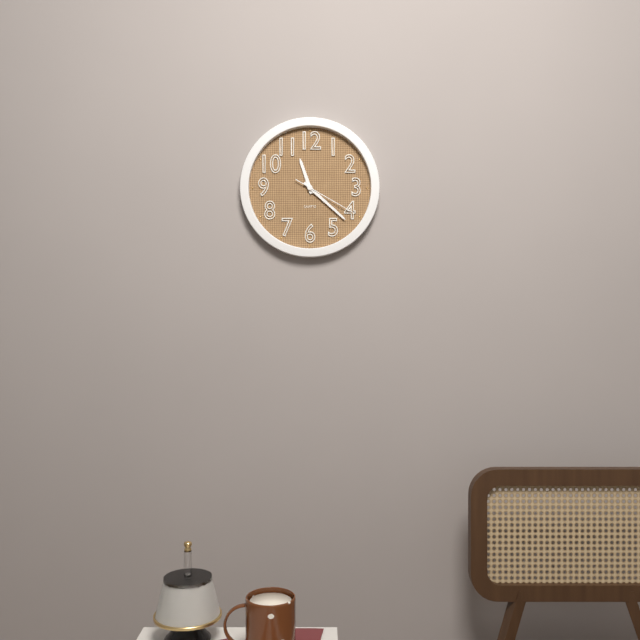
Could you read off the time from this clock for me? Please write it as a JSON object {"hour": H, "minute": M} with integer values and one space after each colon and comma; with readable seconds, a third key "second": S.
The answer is {"hour": 11, "minute": 22, "second": 20}
